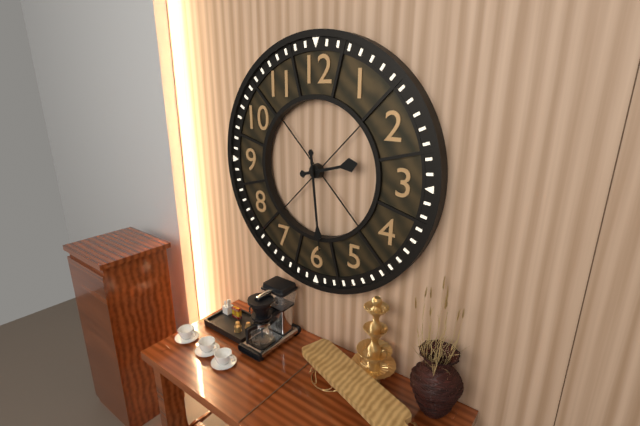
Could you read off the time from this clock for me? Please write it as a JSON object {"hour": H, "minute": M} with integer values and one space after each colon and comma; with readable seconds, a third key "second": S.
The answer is {"hour": 2, "minute": 29}
